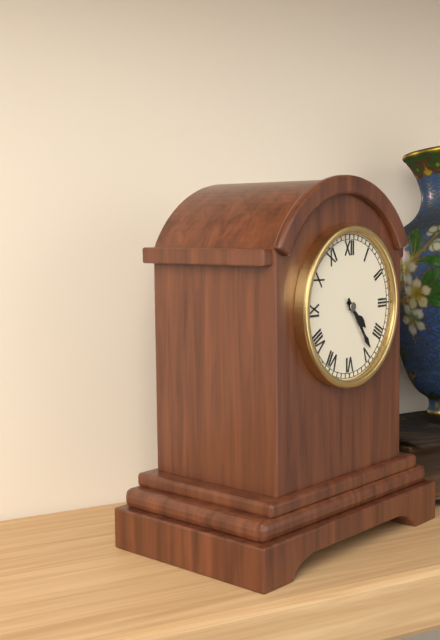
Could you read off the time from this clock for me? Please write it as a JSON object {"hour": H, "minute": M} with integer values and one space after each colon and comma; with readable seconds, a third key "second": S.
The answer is {"hour": 4, "minute": 24}
